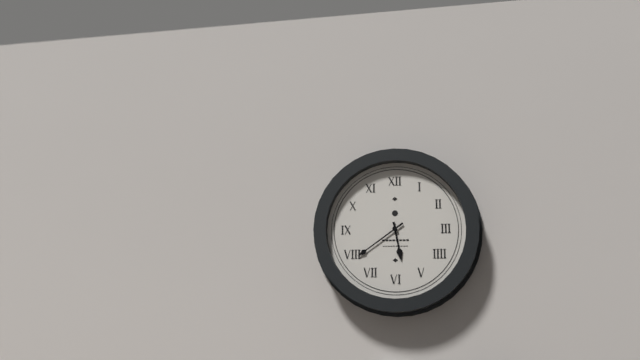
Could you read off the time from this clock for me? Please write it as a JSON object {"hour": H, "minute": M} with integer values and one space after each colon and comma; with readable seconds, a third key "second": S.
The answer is {"hour": 5, "minute": 39}
